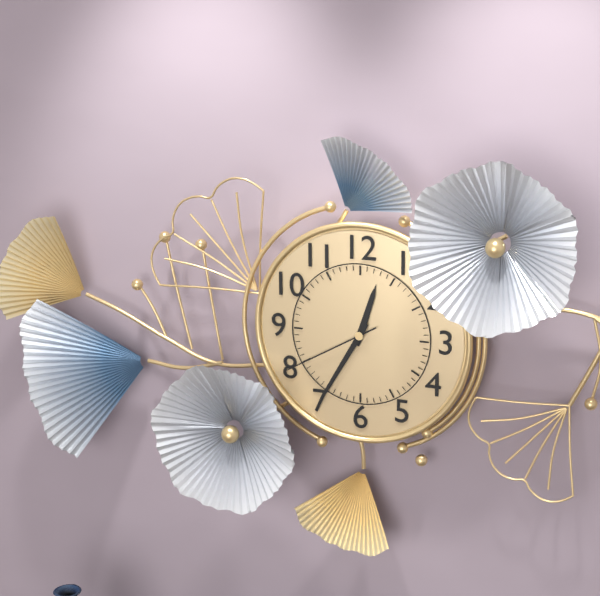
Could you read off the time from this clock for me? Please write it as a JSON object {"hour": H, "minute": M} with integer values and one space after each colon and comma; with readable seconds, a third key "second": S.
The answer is {"hour": 12, "minute": 35, "second": 40}
